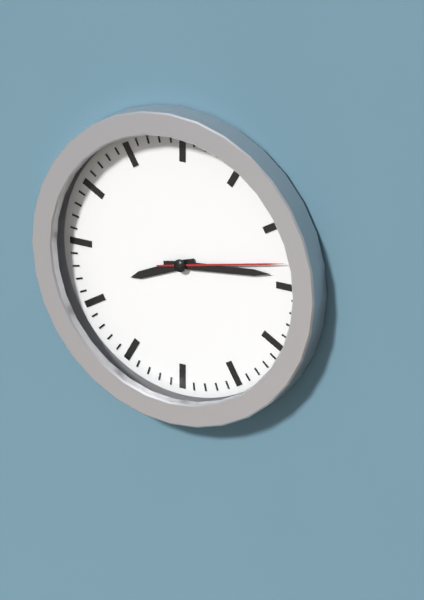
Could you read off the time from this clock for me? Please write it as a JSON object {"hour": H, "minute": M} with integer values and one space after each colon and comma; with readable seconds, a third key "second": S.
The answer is {"hour": 8, "minute": 14, "second": 13}
